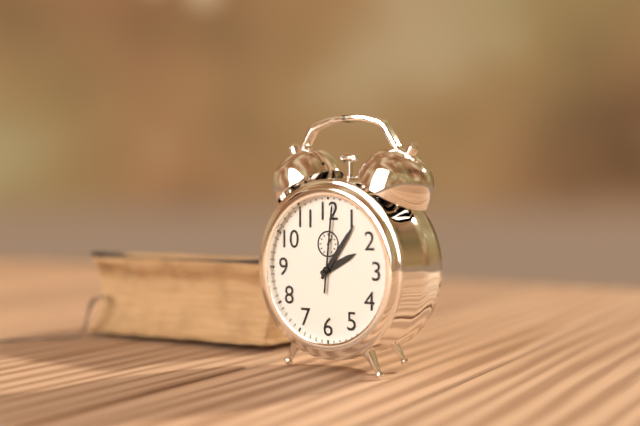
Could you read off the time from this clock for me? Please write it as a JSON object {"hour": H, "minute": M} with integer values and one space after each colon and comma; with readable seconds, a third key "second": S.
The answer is {"hour": 2, "minute": 6, "second": 1}
